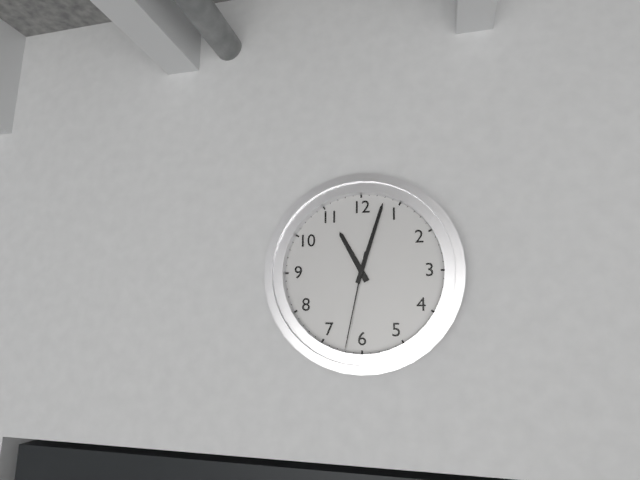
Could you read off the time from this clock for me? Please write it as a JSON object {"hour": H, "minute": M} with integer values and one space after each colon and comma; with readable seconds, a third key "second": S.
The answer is {"hour": 11, "minute": 3, "second": 32}
